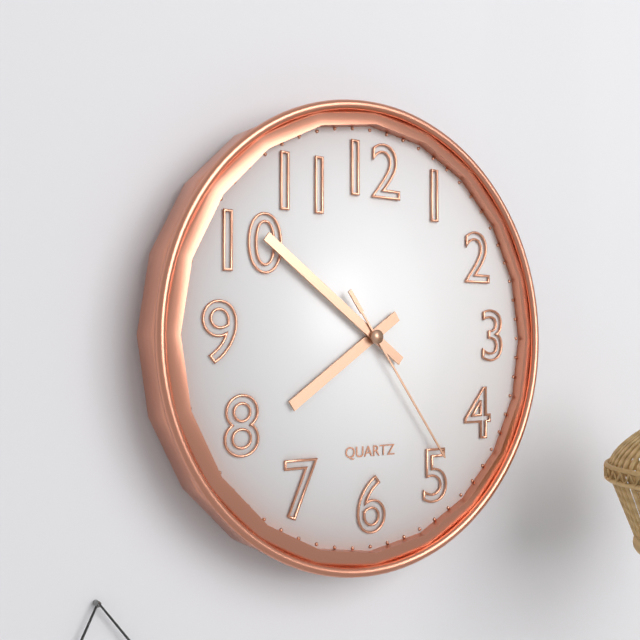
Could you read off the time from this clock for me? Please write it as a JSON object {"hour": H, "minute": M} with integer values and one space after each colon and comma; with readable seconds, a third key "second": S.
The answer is {"hour": 7, "minute": 51, "second": 24}
